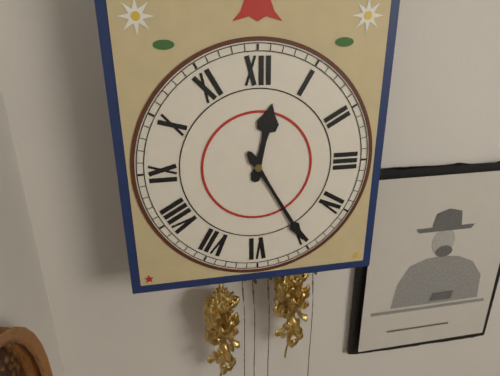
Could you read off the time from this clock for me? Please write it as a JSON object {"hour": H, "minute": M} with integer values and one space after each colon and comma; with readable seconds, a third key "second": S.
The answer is {"hour": 12, "minute": 25}
